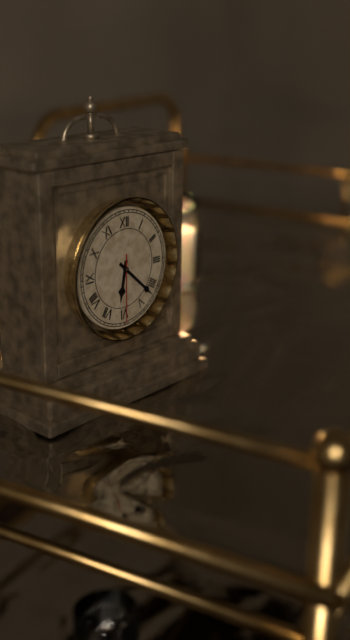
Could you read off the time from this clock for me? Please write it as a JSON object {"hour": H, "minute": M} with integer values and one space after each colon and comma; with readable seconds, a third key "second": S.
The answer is {"hour": 6, "minute": 22, "second": 30}
